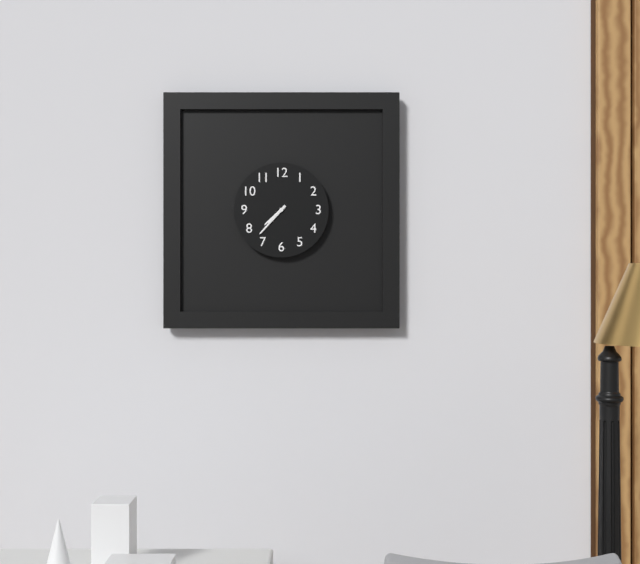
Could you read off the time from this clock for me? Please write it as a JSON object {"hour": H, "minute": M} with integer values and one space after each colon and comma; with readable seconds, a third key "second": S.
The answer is {"hour": 7, "minute": 37}
